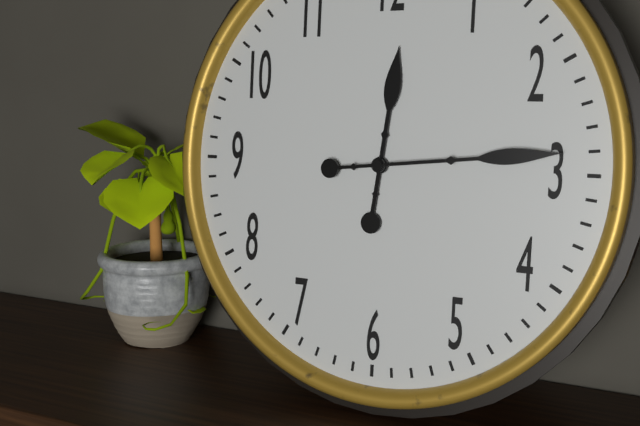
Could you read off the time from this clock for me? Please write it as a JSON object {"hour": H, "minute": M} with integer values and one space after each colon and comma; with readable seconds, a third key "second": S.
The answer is {"hour": 12, "minute": 14}
